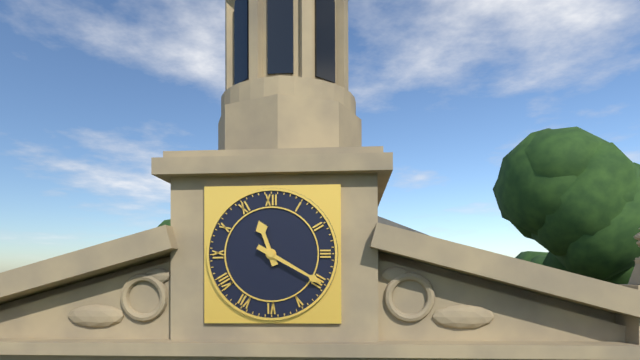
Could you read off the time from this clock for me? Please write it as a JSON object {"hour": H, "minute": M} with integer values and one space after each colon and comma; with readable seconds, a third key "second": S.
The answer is {"hour": 11, "minute": 20}
